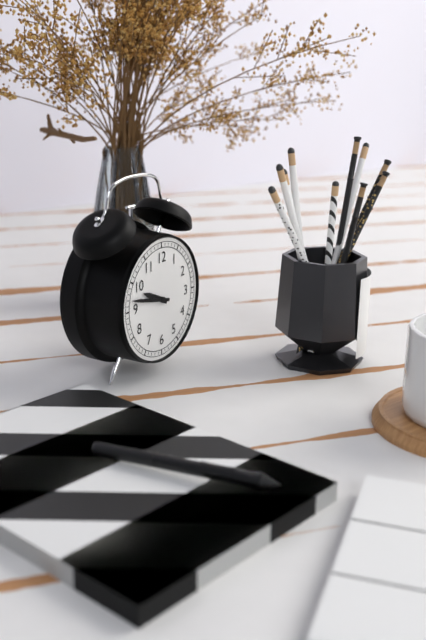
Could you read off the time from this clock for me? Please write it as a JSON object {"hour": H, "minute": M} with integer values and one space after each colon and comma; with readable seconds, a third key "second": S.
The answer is {"hour": 9, "minute": 47}
